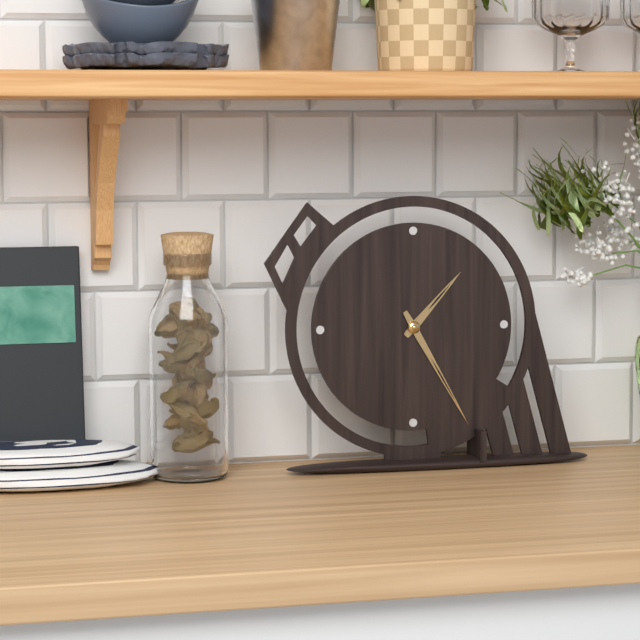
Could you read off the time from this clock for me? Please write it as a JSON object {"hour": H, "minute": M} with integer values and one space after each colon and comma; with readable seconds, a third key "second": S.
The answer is {"hour": 1, "minute": 25}
